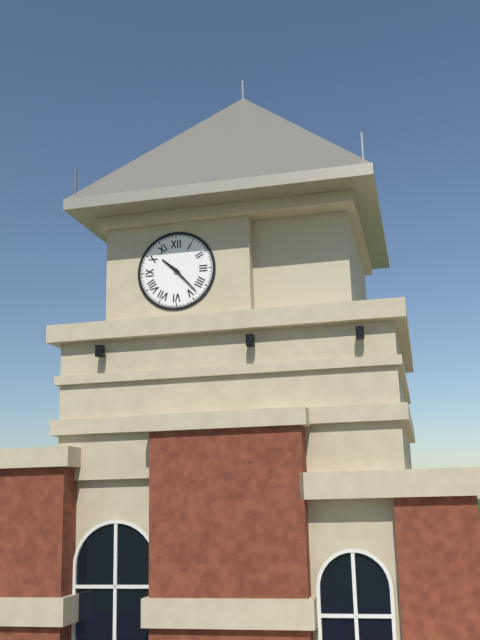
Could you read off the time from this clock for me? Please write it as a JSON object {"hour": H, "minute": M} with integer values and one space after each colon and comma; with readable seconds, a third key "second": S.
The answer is {"hour": 10, "minute": 23}
